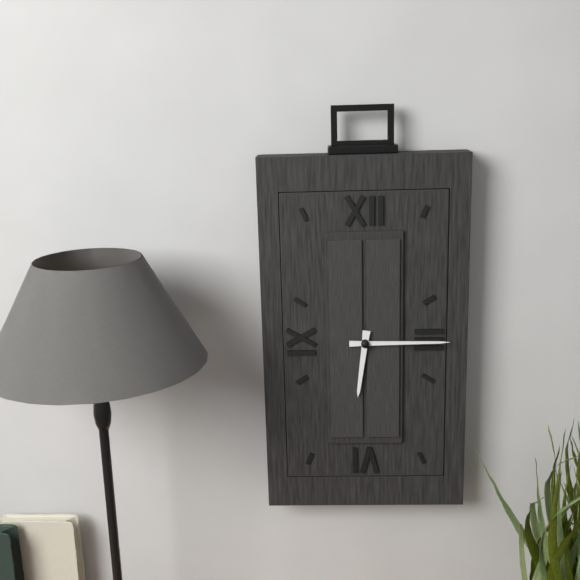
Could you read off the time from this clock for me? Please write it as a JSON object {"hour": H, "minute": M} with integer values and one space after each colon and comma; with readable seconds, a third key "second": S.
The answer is {"hour": 6, "minute": 15}
